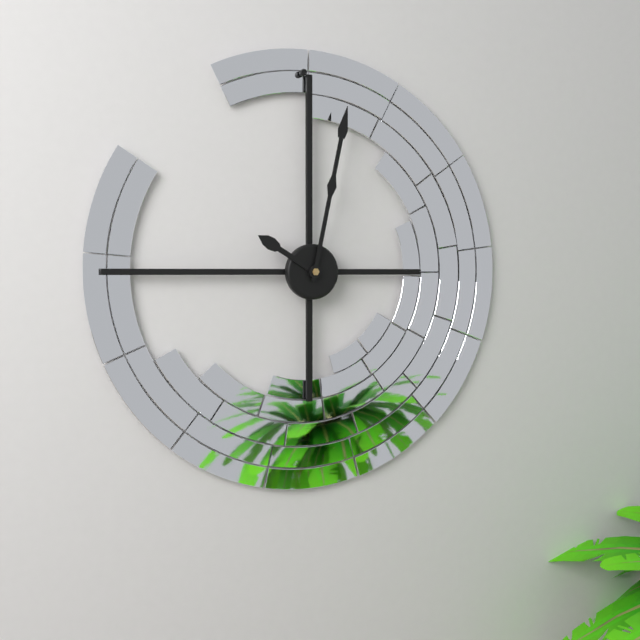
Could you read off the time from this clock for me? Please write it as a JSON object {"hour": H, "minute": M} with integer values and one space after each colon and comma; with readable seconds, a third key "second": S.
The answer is {"hour": 10, "minute": 2}
